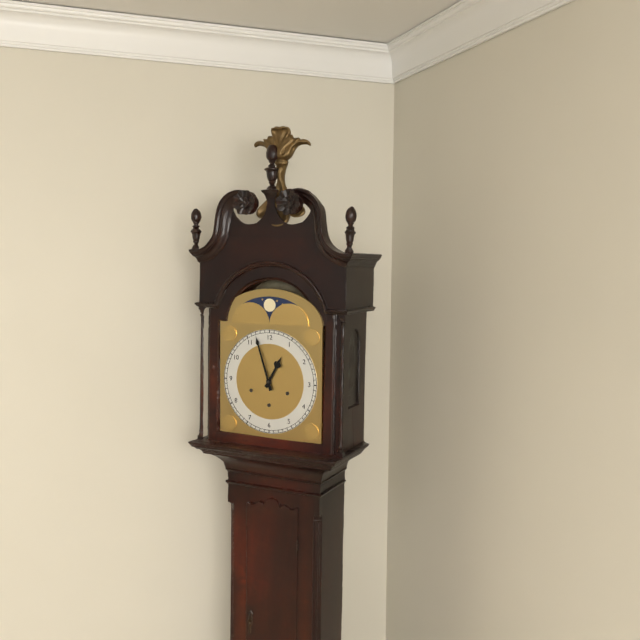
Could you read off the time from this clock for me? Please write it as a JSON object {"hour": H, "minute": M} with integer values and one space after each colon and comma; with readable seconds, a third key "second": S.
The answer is {"hour": 12, "minute": 57}
